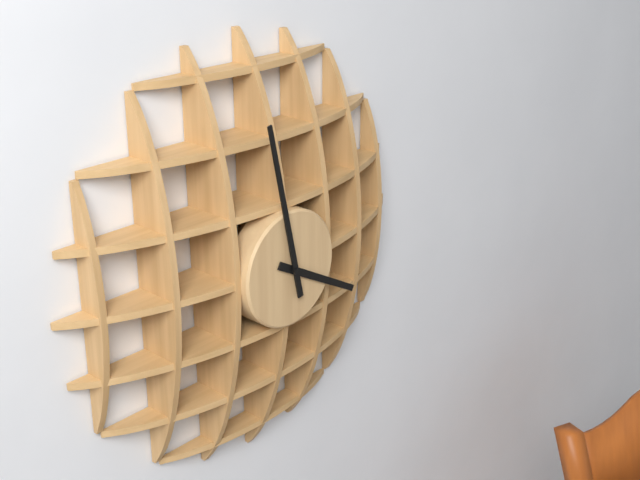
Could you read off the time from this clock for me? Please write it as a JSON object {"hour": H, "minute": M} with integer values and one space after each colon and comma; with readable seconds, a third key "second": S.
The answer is {"hour": 3, "minute": 58}
